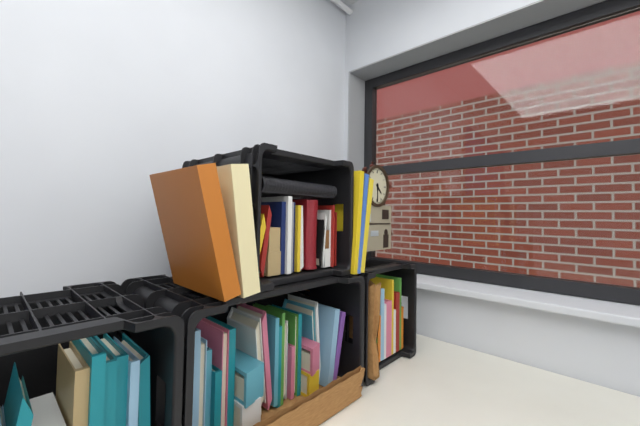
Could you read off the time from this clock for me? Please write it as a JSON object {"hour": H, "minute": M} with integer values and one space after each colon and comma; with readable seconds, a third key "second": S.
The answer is {"hour": 4, "minute": 30}
